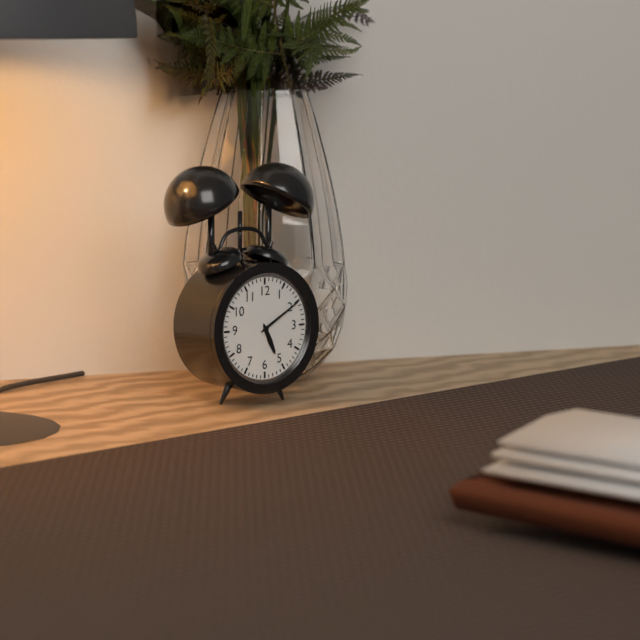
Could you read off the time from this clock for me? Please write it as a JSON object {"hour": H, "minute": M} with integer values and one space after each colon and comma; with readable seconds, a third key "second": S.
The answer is {"hour": 5, "minute": 10}
